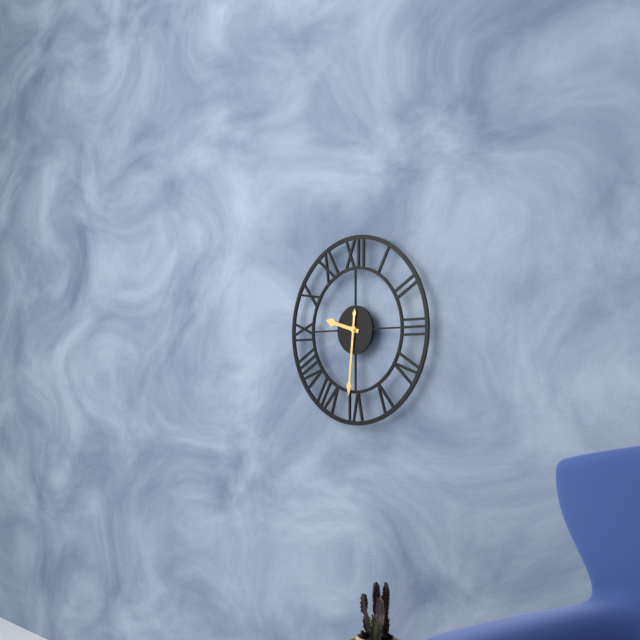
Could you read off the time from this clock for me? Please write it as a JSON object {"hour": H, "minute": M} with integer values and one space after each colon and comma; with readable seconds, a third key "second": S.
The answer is {"hour": 9, "minute": 31}
